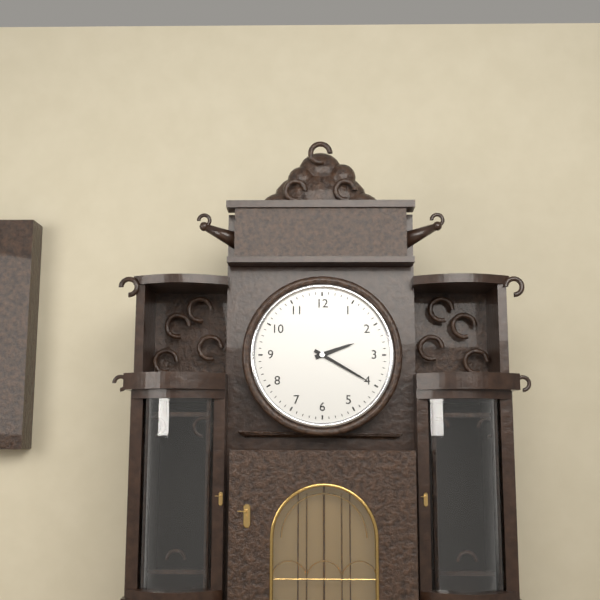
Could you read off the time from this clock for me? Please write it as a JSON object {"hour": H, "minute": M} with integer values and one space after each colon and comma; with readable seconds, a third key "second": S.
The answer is {"hour": 2, "minute": 20}
